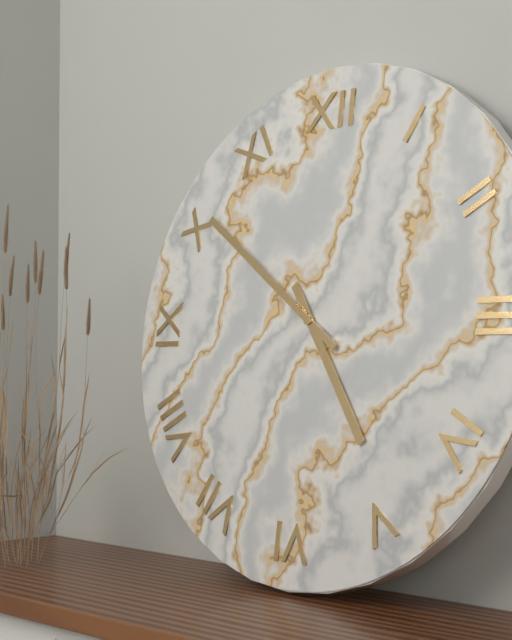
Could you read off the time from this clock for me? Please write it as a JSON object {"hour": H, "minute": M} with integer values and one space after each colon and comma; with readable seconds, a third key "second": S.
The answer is {"hour": 4, "minute": 51}
